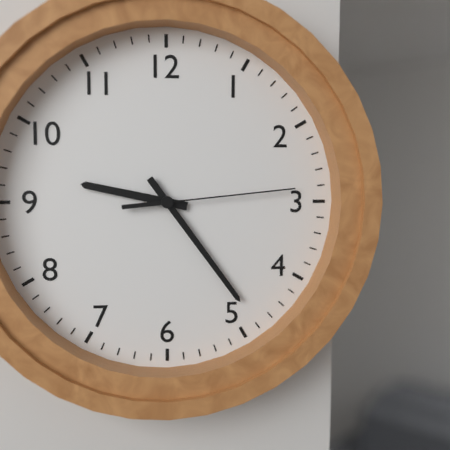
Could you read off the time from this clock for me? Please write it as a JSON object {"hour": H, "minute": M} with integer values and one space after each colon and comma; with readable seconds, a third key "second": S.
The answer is {"hour": 9, "minute": 24, "second": 14}
